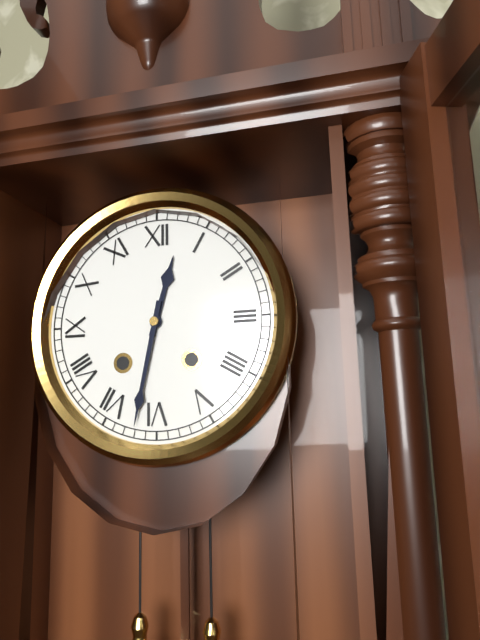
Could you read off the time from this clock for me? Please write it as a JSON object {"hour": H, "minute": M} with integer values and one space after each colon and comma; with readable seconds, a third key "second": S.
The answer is {"hour": 12, "minute": 32}
